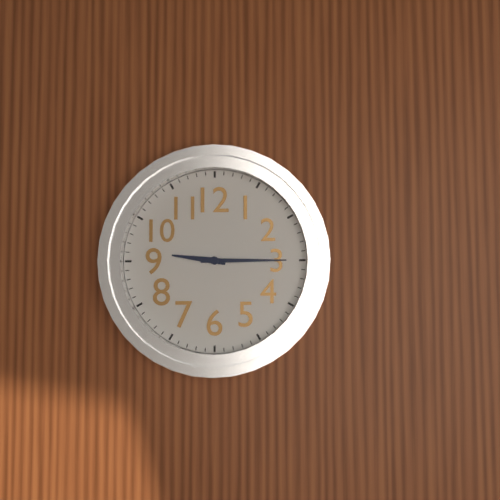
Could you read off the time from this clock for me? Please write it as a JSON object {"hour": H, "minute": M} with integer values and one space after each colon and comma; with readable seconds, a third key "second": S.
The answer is {"hour": 9, "minute": 15}
